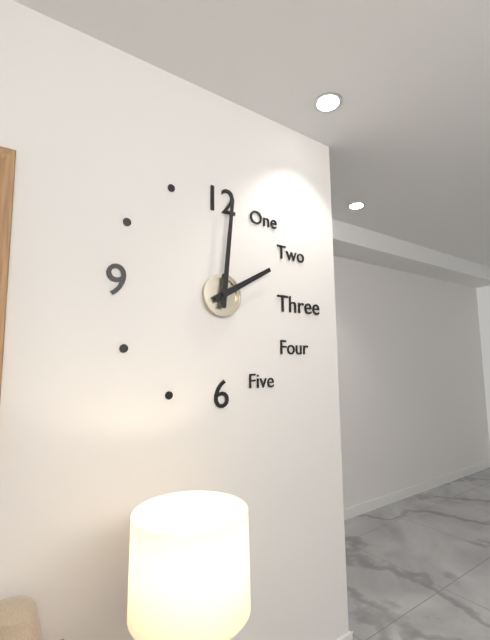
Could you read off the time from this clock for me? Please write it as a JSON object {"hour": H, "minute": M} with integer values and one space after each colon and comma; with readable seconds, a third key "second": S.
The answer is {"hour": 2, "minute": 1}
